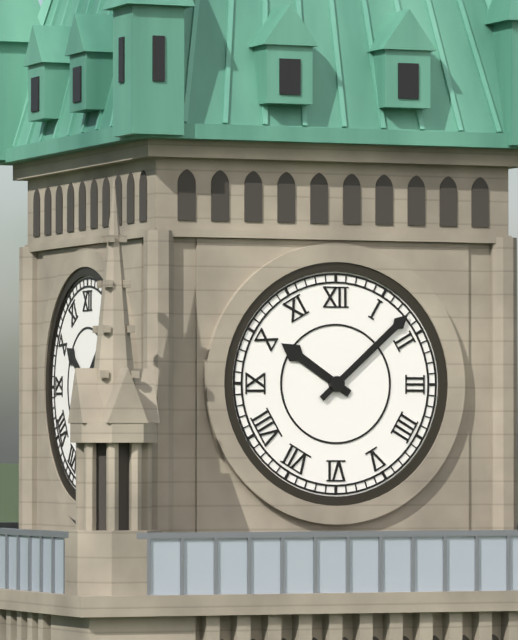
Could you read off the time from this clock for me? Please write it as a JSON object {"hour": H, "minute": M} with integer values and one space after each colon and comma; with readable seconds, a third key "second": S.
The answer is {"hour": 10, "minute": 8}
